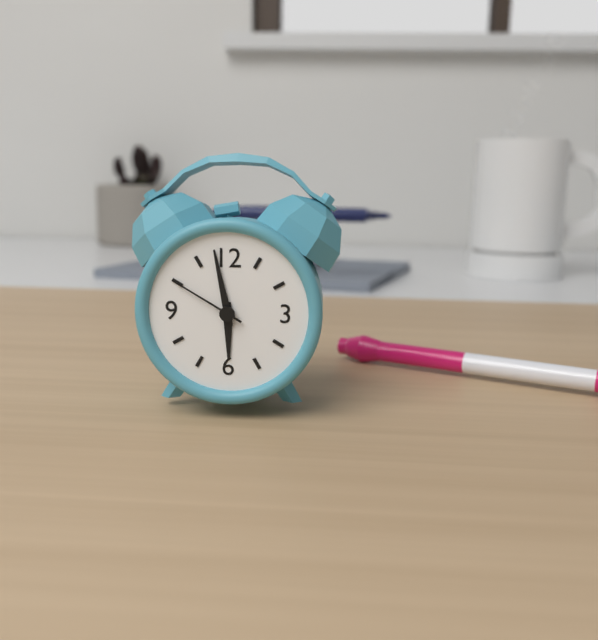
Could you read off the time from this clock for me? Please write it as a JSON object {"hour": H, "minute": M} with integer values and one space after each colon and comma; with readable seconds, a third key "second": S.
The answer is {"hour": 5, "minute": 58, "second": 50}
